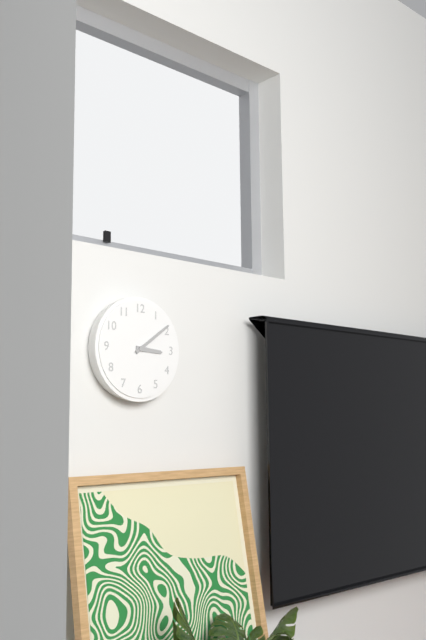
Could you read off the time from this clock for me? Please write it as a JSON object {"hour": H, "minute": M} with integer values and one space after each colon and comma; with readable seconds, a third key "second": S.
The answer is {"hour": 3, "minute": 9}
